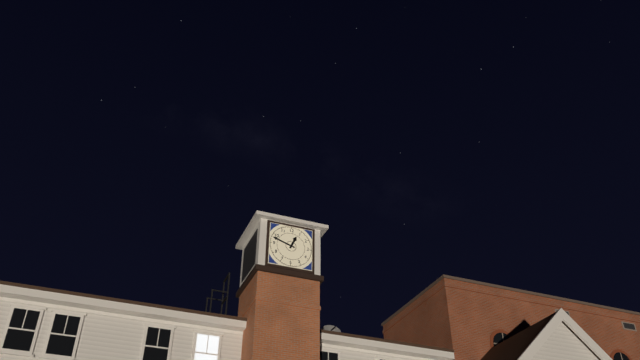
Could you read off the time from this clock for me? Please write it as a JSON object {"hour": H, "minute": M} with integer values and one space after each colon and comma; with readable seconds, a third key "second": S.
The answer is {"hour": 12, "minute": 48}
